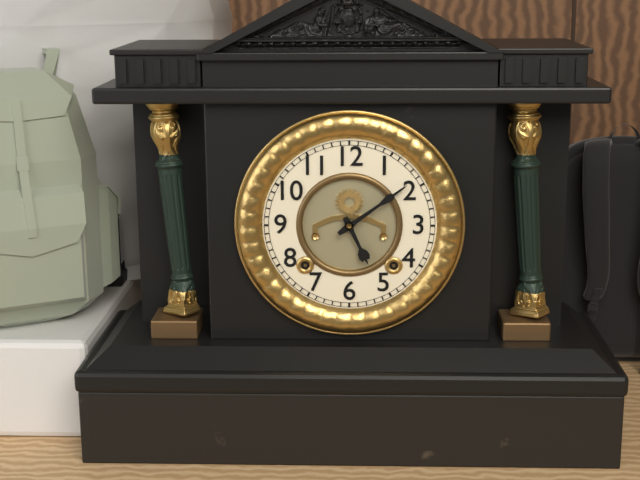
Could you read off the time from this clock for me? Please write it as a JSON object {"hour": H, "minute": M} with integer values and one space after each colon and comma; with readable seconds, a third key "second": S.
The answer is {"hour": 5, "minute": 9}
